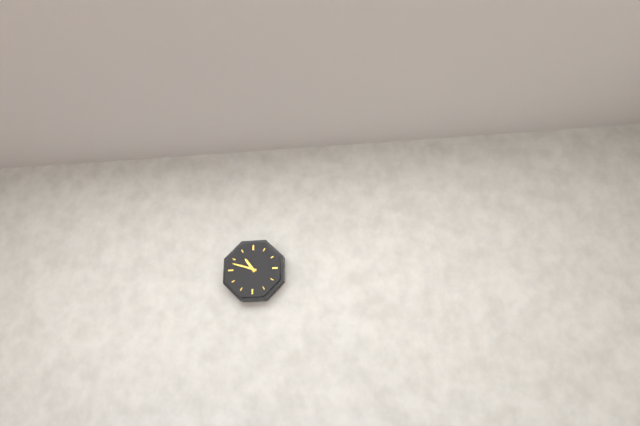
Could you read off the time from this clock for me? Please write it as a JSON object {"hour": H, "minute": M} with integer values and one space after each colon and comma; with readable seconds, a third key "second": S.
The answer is {"hour": 10, "minute": 48}
